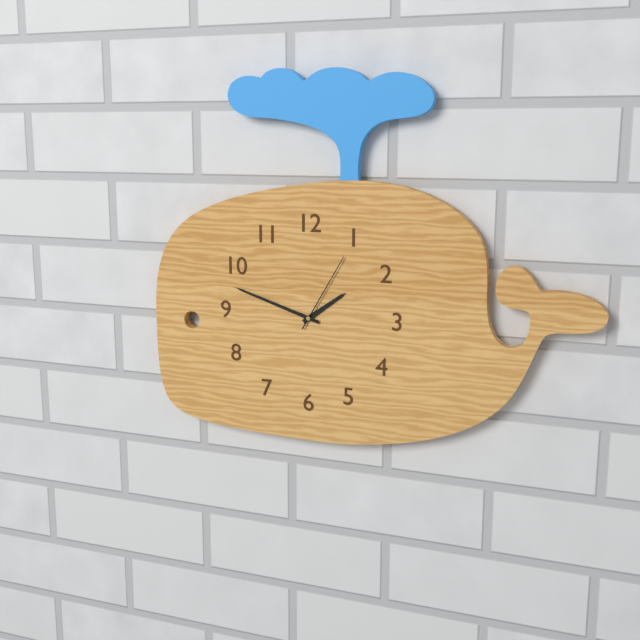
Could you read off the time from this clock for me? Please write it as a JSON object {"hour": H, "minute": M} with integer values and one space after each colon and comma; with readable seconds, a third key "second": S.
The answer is {"hour": 1, "minute": 48, "second": 5}
